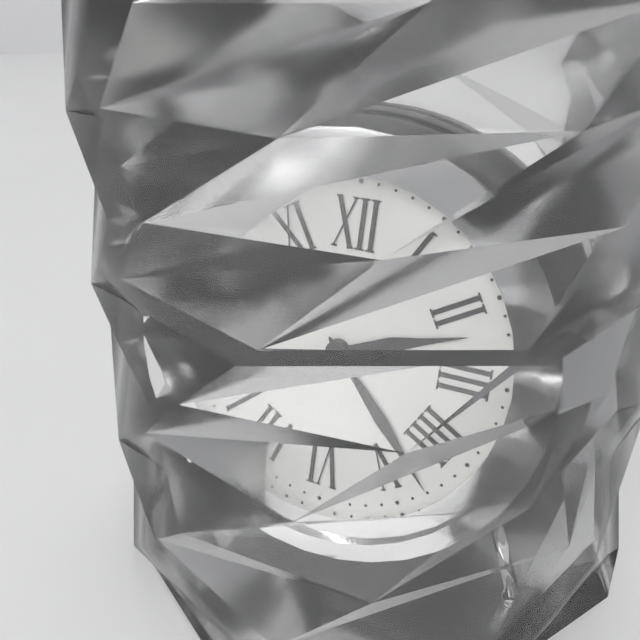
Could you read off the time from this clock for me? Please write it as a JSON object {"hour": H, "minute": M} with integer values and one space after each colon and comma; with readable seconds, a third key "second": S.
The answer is {"hour": 2, "minute": 23, "second": 43}
